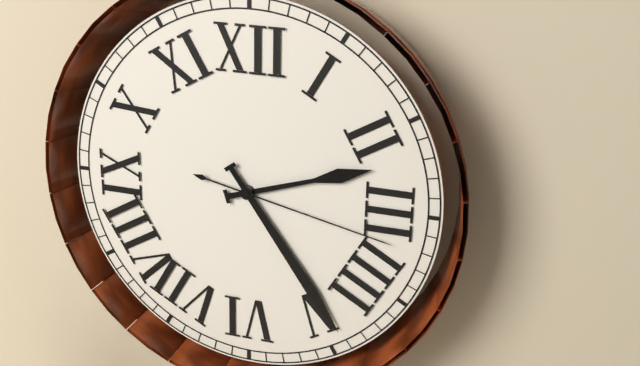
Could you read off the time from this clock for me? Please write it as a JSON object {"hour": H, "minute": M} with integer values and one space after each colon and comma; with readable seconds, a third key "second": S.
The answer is {"hour": 2, "minute": 24, "second": 17}
